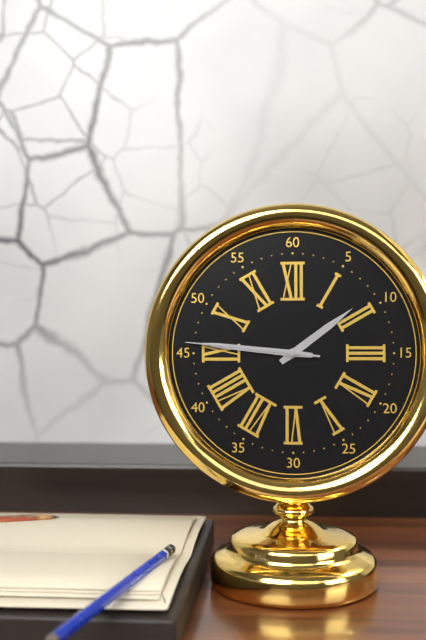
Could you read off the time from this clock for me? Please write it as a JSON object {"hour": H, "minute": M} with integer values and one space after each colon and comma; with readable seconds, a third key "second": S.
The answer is {"hour": 1, "minute": 46, "second": 46}
